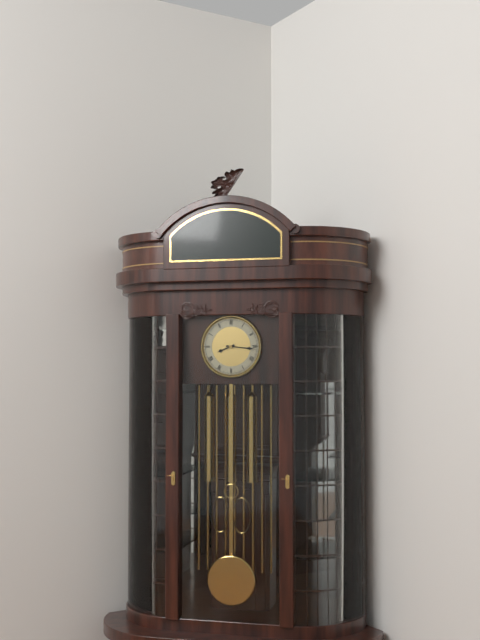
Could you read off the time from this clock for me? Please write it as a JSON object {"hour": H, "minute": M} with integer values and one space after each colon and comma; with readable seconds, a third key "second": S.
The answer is {"hour": 8, "minute": 16}
